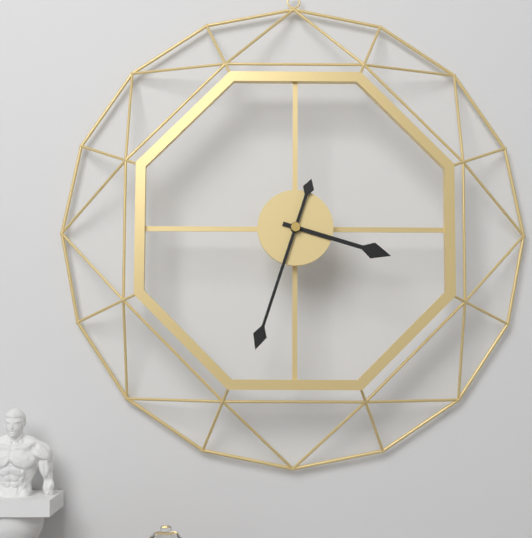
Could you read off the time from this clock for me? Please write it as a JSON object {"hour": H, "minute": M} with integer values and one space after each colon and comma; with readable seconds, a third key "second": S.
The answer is {"hour": 3, "minute": 33}
